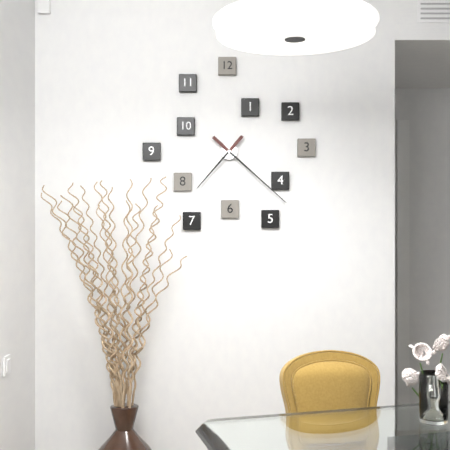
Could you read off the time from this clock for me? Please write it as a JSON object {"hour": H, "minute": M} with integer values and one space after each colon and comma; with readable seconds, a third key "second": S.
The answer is {"hour": 7, "minute": 22}
